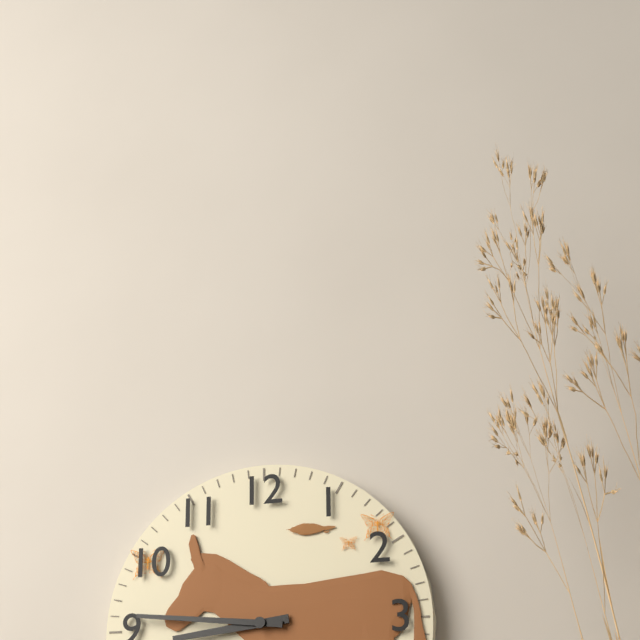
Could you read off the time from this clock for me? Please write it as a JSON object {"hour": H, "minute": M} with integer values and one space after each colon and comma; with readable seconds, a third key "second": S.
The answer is {"hour": 8, "minute": 46}
